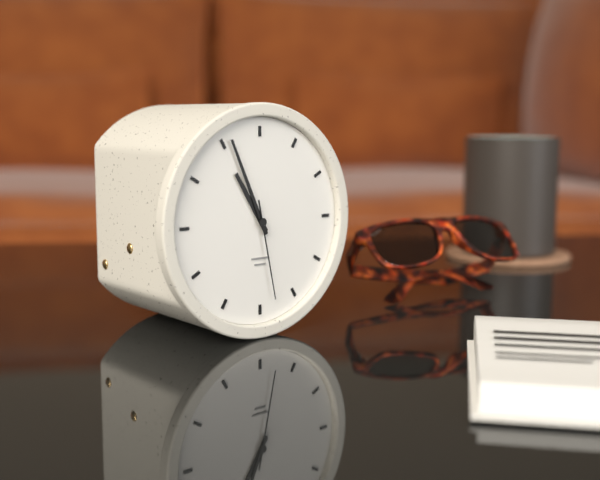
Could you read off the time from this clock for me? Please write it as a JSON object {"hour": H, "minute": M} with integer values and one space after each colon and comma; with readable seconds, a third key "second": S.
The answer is {"hour": 10, "minute": 56, "second": 28}
